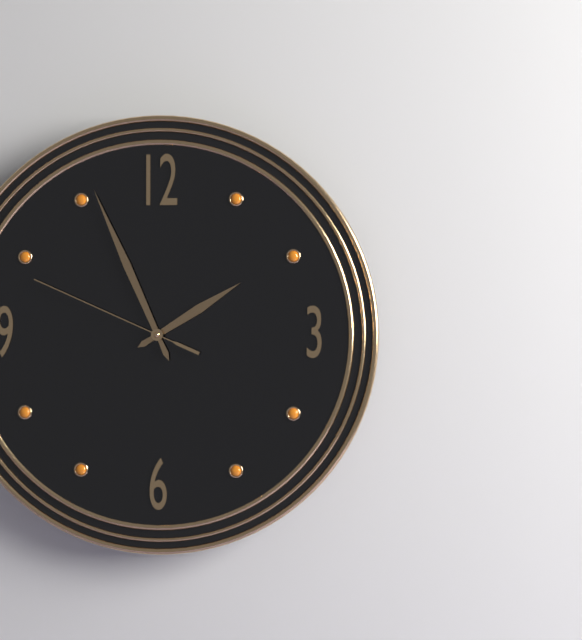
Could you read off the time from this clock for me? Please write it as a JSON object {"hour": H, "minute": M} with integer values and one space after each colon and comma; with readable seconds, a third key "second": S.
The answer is {"hour": 1, "minute": 56, "second": 49}
